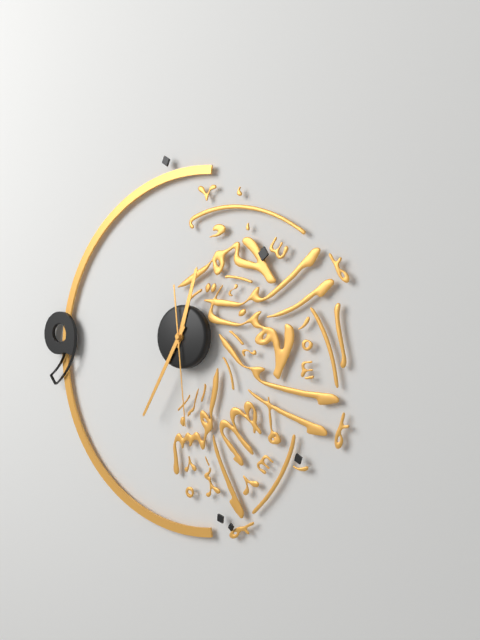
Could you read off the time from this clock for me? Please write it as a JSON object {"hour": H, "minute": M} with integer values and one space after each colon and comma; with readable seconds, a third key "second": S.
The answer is {"hour": 12, "minute": 35, "second": 29}
